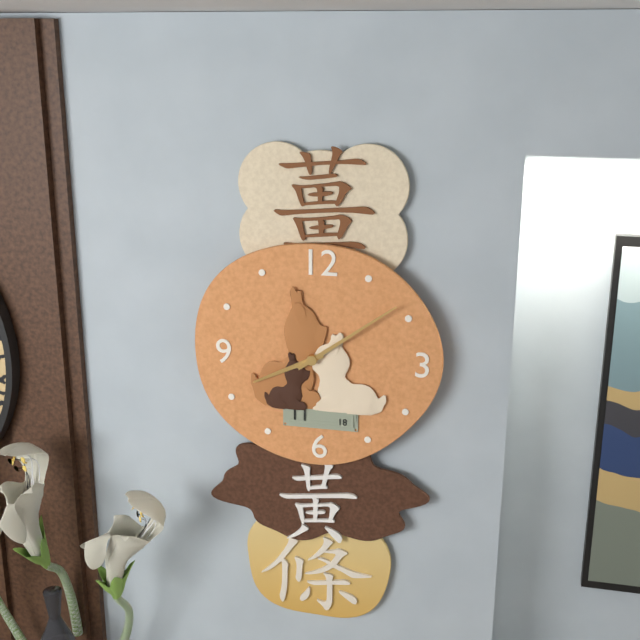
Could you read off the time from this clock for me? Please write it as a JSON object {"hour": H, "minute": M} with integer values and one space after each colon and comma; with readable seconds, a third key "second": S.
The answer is {"hour": 8, "minute": 9}
